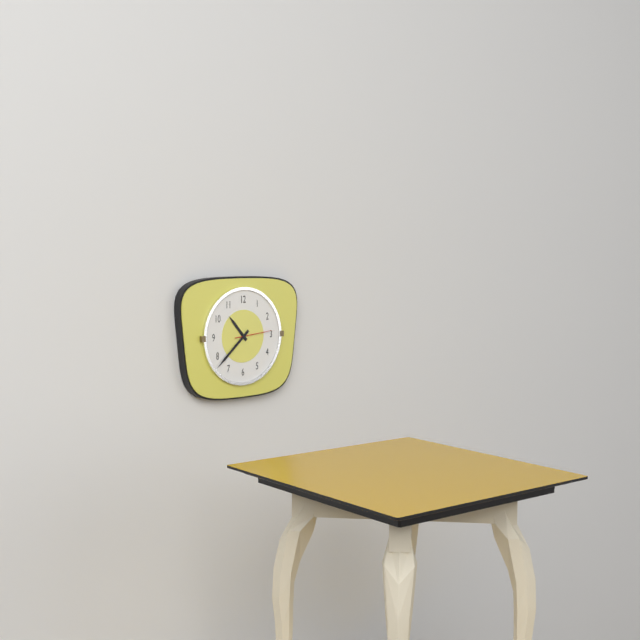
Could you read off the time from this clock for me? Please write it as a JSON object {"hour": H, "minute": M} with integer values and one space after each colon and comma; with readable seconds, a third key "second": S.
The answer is {"hour": 10, "minute": 38}
